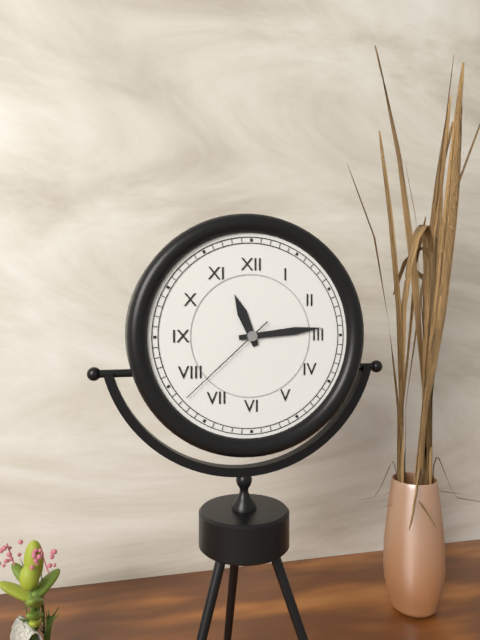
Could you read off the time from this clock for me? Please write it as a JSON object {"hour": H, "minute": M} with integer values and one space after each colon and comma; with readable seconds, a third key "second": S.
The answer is {"hour": 11, "minute": 14, "second": 38}
